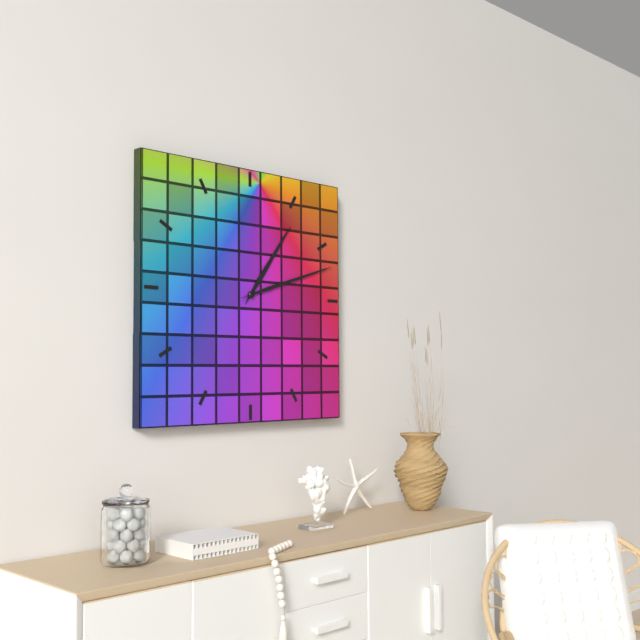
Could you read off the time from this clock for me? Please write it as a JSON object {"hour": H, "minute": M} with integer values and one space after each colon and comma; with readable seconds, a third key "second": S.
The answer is {"hour": 1, "minute": 12}
